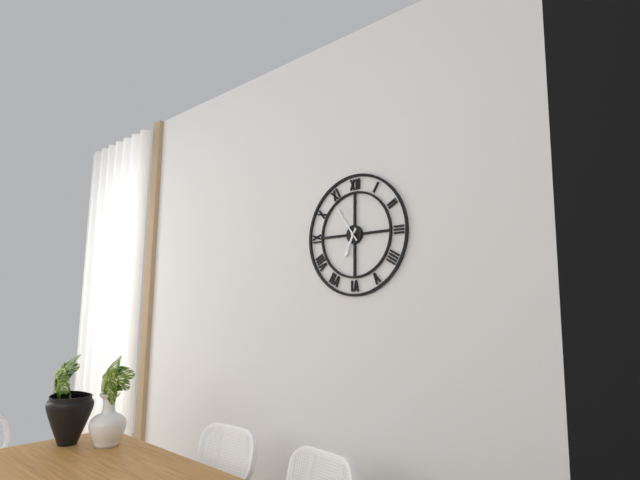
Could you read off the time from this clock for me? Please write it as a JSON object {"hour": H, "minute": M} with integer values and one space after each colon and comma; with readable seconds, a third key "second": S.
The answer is {"hour": 6, "minute": 54}
